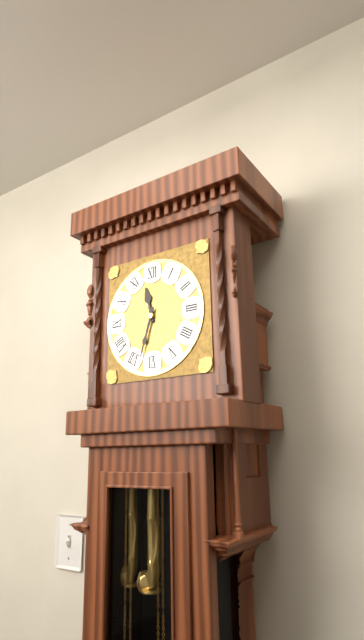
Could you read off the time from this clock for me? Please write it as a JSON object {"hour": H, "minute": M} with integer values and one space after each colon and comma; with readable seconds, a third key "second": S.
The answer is {"hour": 11, "minute": 33}
